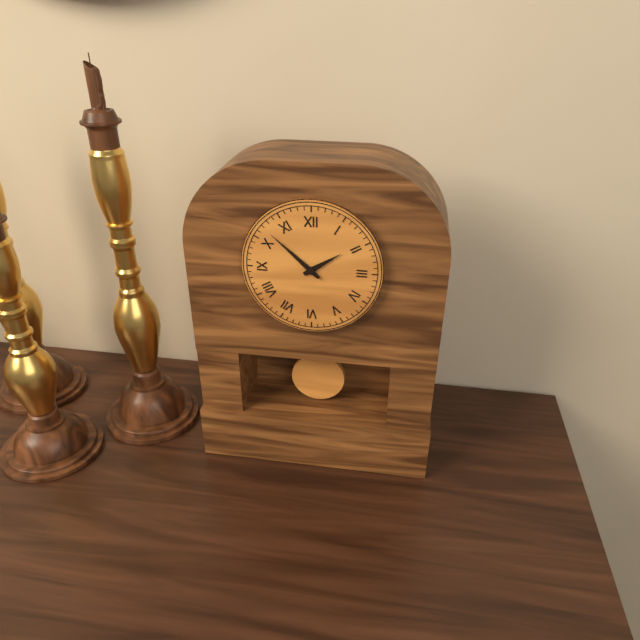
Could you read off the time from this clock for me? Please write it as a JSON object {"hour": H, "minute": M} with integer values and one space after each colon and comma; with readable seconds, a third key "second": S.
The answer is {"hour": 1, "minute": 52}
